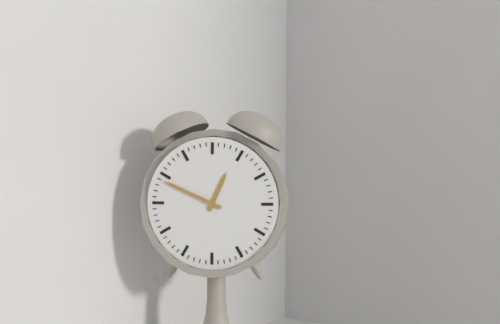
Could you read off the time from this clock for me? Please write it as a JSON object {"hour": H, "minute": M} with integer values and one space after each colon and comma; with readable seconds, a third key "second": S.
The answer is {"hour": 12, "minute": 49}
